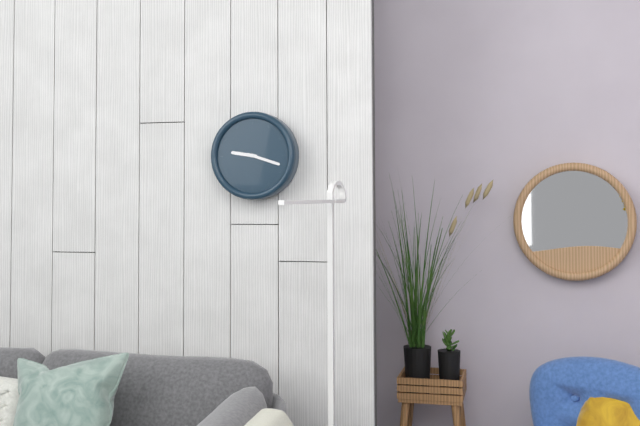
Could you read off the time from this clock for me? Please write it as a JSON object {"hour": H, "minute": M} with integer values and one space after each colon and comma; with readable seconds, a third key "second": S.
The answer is {"hour": 9, "minute": 18}
